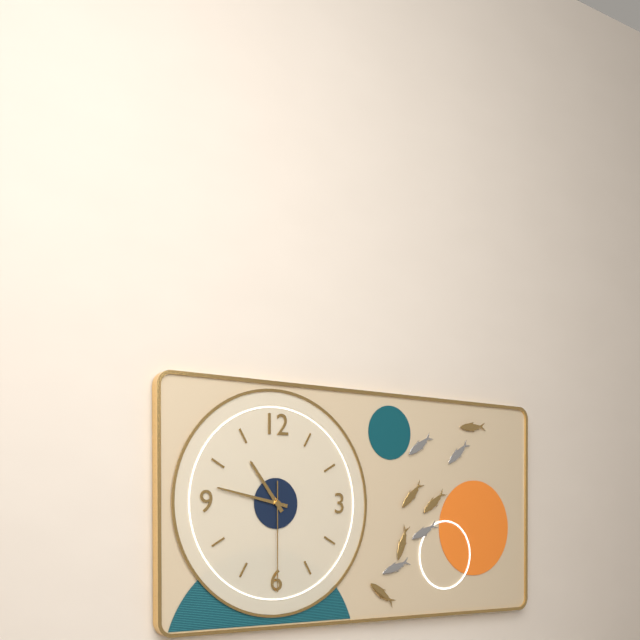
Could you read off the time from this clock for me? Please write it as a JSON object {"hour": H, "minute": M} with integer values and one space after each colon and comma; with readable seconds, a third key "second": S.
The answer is {"hour": 10, "minute": 47, "second": 30}
